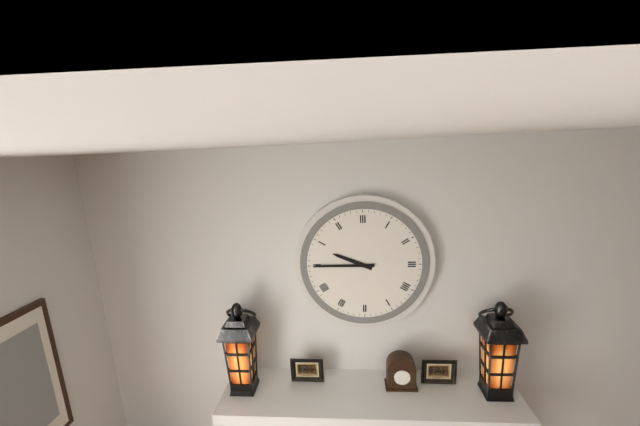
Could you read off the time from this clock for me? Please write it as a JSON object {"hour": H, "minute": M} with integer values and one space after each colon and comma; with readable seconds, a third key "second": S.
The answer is {"hour": 9, "minute": 45}
